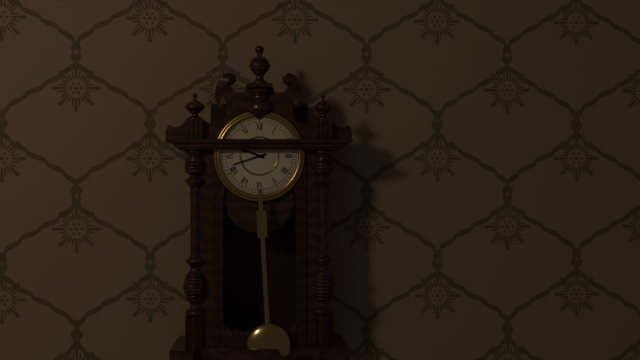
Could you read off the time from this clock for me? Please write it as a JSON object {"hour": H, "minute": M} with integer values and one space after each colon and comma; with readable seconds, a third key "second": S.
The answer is {"hour": 9, "minute": 42}
